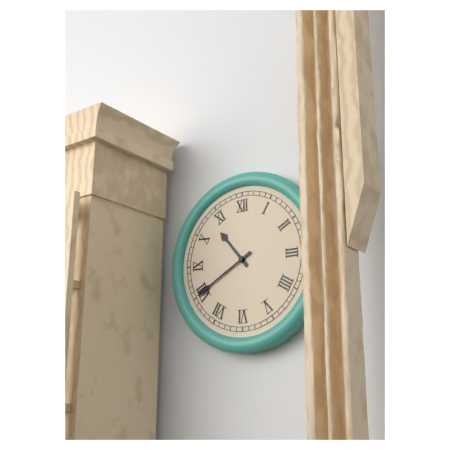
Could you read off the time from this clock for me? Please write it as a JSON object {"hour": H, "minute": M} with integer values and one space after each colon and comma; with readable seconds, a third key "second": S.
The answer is {"hour": 10, "minute": 40}
